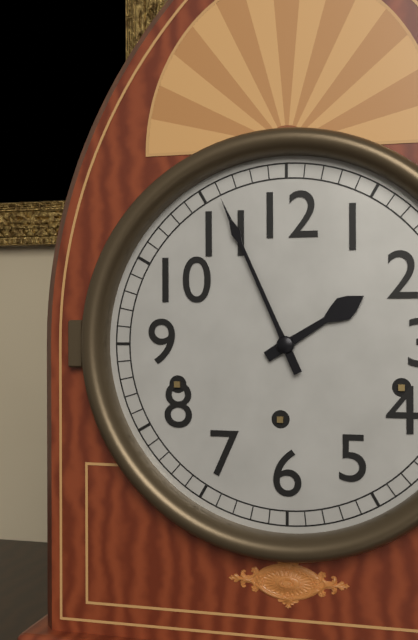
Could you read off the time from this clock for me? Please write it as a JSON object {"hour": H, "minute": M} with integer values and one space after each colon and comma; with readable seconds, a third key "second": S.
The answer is {"hour": 1, "minute": 56}
